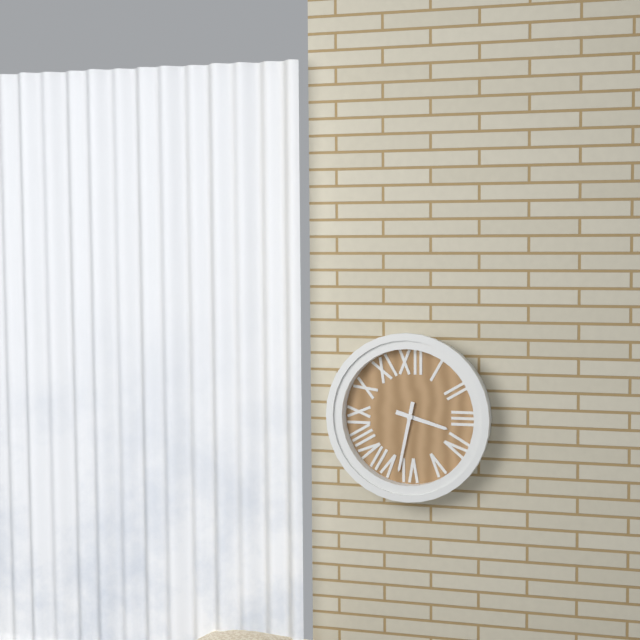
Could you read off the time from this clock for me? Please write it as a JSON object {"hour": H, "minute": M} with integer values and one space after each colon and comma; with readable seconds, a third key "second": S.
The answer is {"hour": 3, "minute": 32}
